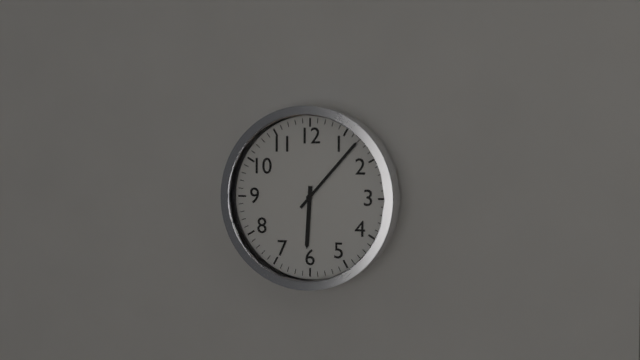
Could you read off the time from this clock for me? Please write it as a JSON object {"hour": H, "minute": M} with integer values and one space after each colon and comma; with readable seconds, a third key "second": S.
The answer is {"hour": 6, "minute": 7}
